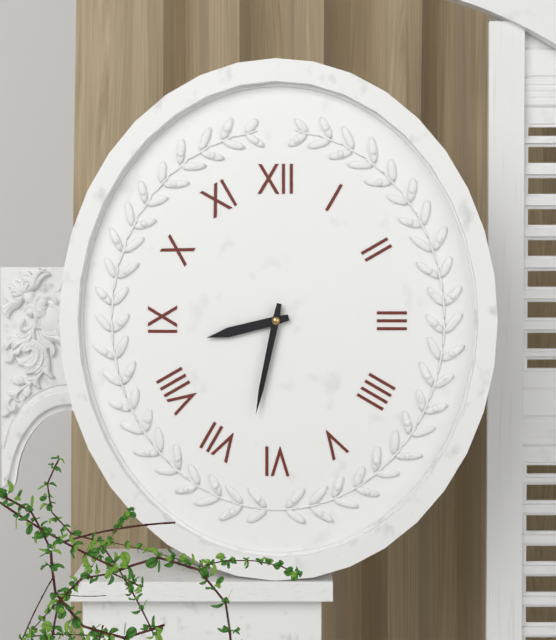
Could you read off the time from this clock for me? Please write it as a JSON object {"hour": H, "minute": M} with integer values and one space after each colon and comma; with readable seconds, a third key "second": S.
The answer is {"hour": 8, "minute": 32}
